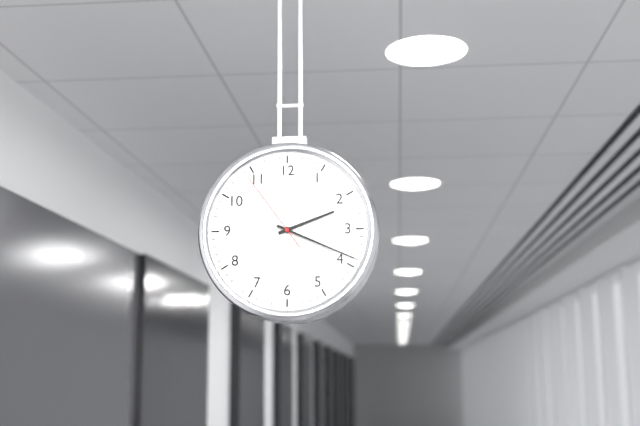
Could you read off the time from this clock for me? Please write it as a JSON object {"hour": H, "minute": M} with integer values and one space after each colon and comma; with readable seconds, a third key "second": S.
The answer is {"hour": 2, "minute": 19, "second": 54}
